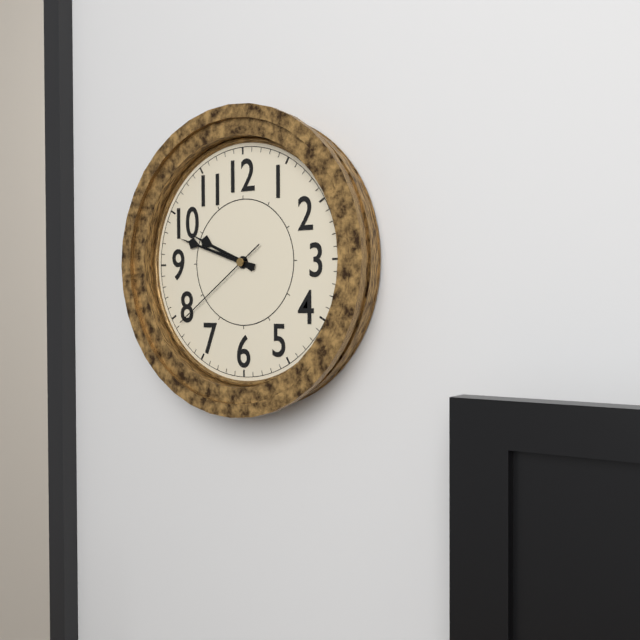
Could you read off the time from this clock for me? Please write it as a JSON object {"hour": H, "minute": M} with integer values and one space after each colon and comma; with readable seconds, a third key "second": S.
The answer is {"hour": 9, "minute": 48, "second": 39}
